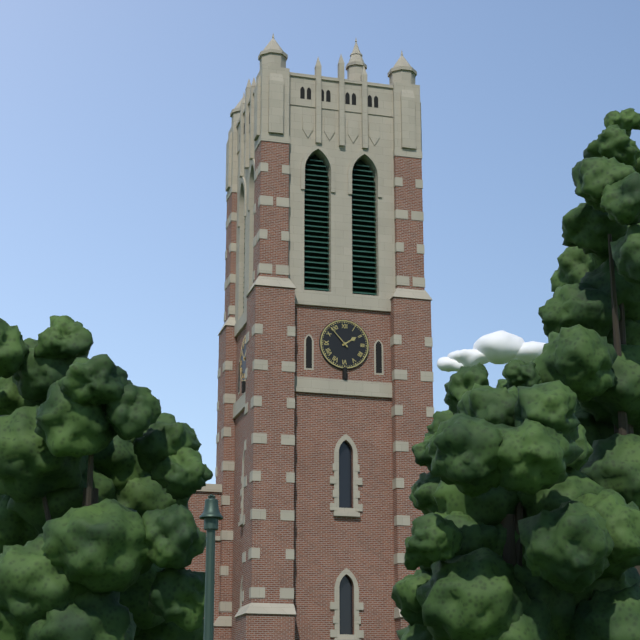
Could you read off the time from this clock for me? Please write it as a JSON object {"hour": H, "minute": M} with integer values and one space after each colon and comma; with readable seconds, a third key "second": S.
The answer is {"hour": 1, "minute": 53}
